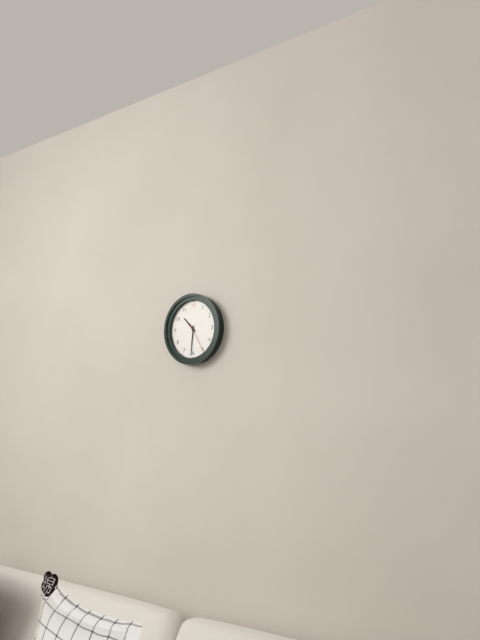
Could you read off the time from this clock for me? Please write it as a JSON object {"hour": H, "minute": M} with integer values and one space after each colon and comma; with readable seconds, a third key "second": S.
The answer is {"hour": 10, "minute": 31}
